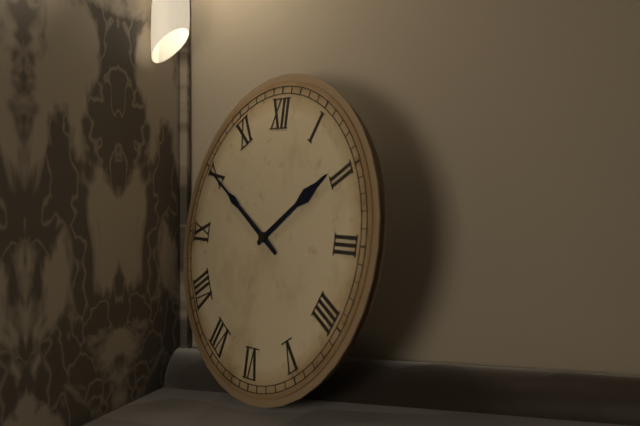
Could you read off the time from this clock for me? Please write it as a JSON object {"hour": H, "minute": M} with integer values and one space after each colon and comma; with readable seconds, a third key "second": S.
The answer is {"hour": 1, "minute": 50}
